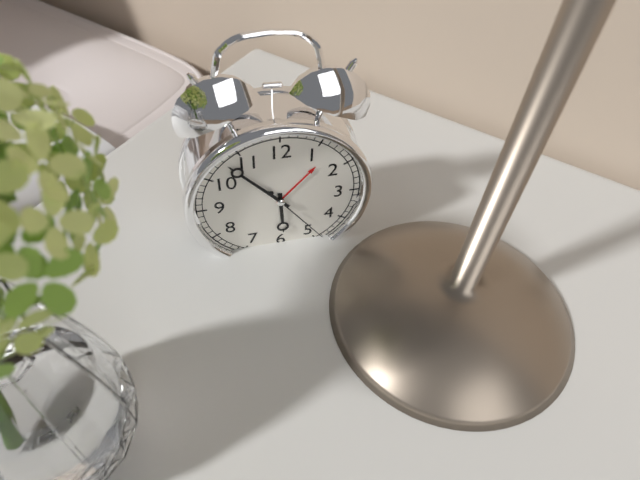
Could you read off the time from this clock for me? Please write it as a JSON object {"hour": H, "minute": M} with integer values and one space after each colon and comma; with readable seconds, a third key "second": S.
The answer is {"hour": 5, "minute": 53, "second": 24}
